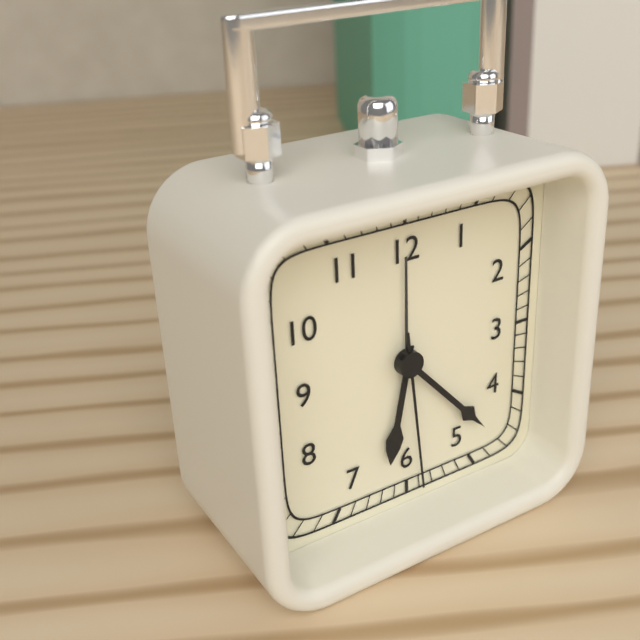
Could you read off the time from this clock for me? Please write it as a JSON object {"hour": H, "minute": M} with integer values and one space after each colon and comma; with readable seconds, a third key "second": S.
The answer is {"hour": 6, "minute": 23, "second": 29}
